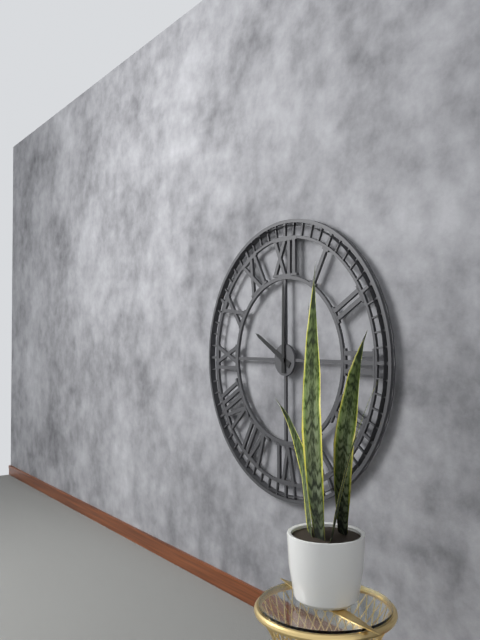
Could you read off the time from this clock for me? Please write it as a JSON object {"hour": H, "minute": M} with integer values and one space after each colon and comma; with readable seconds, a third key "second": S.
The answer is {"hour": 10, "minute": 0}
